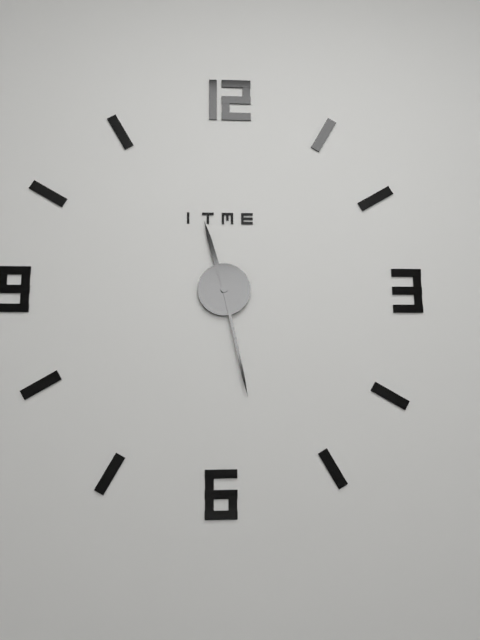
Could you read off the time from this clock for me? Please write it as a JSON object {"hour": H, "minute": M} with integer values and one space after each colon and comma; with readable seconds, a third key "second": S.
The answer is {"hour": 11, "minute": 28}
